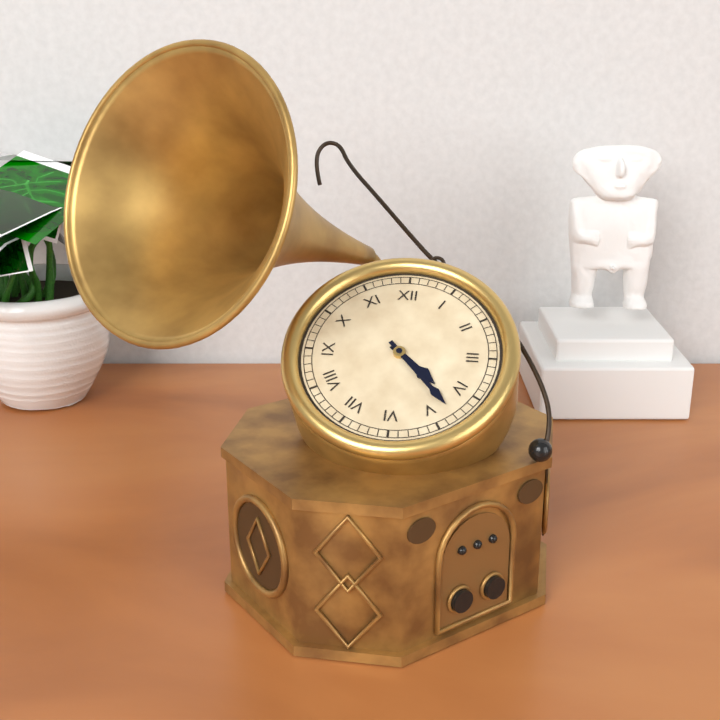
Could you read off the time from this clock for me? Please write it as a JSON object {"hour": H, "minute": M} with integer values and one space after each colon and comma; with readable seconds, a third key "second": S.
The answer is {"hour": 4, "minute": 23}
